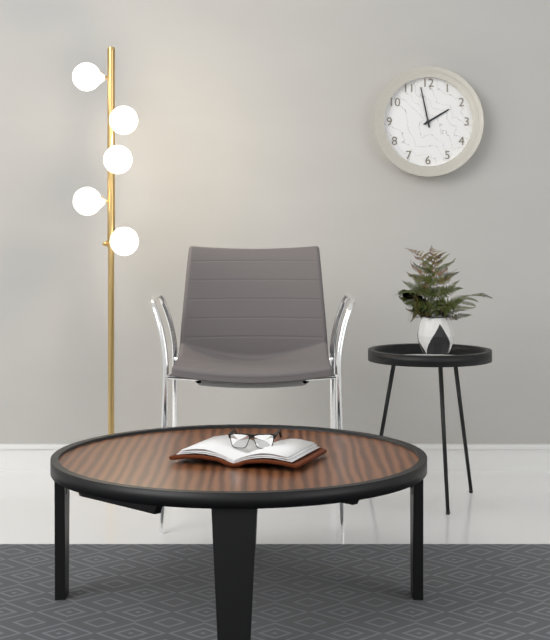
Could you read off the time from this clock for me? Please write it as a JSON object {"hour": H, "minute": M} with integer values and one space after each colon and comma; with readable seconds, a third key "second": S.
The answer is {"hour": 1, "minute": 58}
